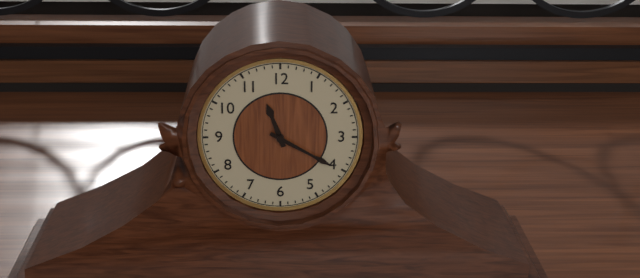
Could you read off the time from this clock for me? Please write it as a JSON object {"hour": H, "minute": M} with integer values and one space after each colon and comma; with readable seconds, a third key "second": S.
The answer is {"hour": 11, "minute": 20}
